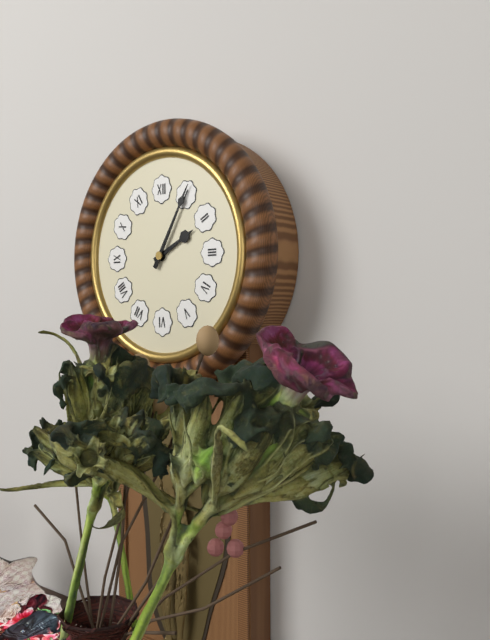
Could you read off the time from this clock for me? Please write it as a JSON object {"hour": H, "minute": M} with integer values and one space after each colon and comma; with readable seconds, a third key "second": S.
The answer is {"hour": 2, "minute": 5}
